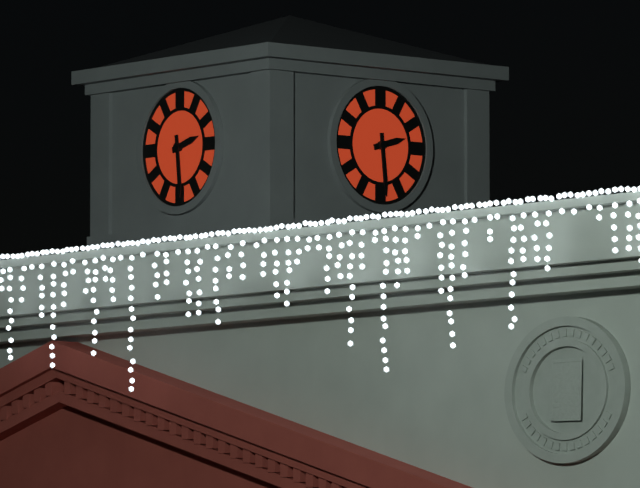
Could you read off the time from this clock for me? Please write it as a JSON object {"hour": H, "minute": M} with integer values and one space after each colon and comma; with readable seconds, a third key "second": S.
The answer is {"hour": 2, "minute": 29}
